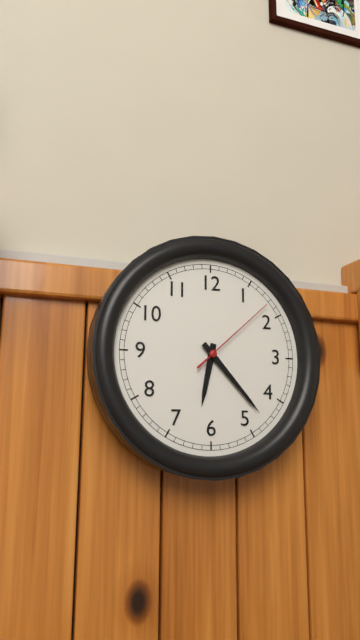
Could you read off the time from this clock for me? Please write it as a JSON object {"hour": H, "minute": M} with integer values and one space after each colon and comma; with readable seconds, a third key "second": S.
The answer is {"hour": 6, "minute": 23, "second": 8}
